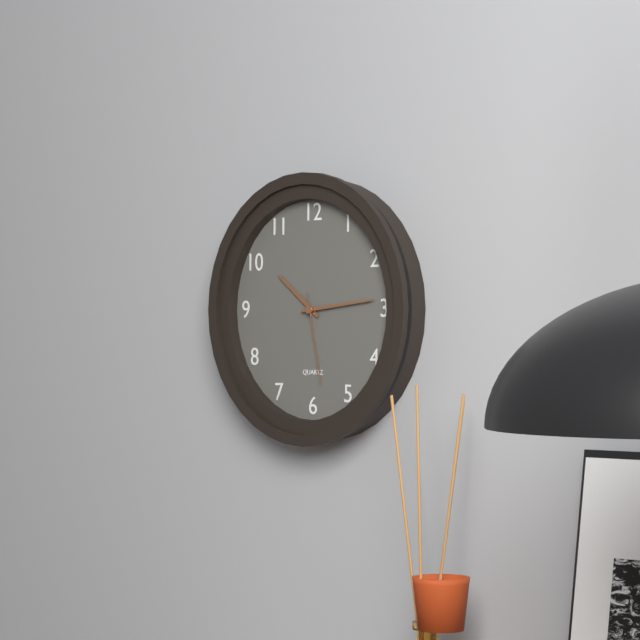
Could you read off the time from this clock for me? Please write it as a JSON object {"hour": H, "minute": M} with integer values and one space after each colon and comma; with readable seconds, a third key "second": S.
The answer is {"hour": 10, "minute": 14, "second": 28}
